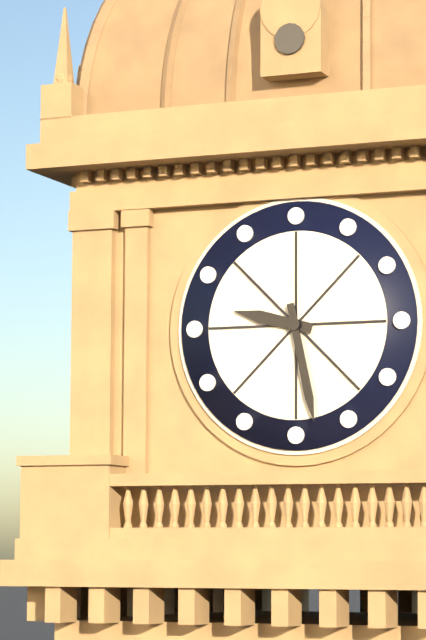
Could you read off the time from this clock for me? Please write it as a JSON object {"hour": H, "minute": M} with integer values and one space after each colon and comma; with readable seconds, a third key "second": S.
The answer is {"hour": 9, "minute": 28}
